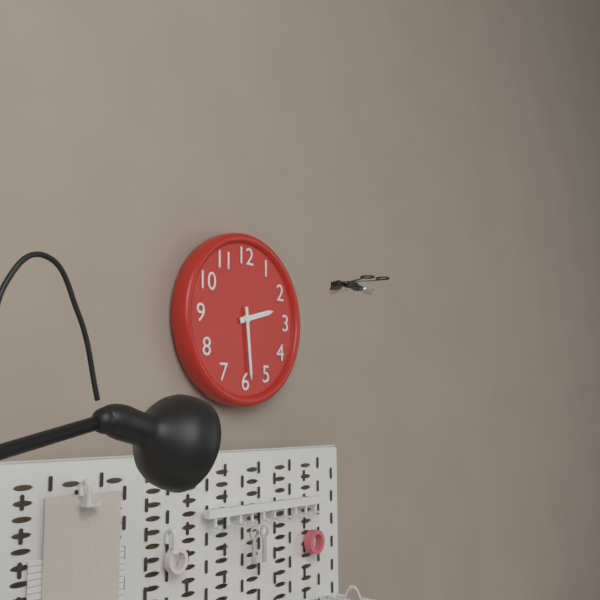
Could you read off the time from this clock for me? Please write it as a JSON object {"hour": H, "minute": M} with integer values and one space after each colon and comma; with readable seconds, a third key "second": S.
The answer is {"hour": 2, "minute": 29}
